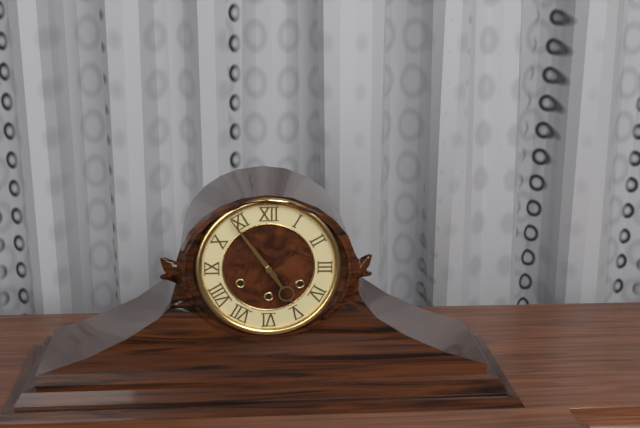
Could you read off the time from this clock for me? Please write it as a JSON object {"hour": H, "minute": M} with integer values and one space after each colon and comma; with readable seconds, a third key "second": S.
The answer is {"hour": 4, "minute": 54}
